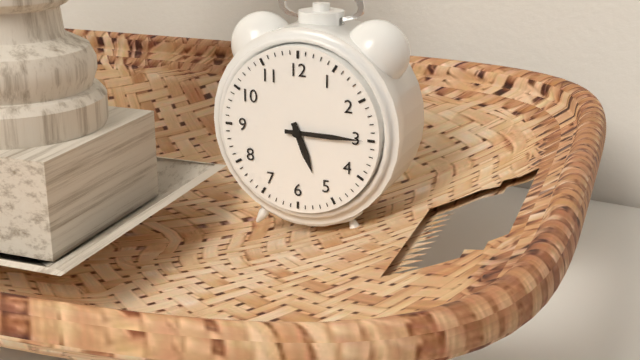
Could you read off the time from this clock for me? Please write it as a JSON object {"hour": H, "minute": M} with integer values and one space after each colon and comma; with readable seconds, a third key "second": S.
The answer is {"hour": 5, "minute": 15}
